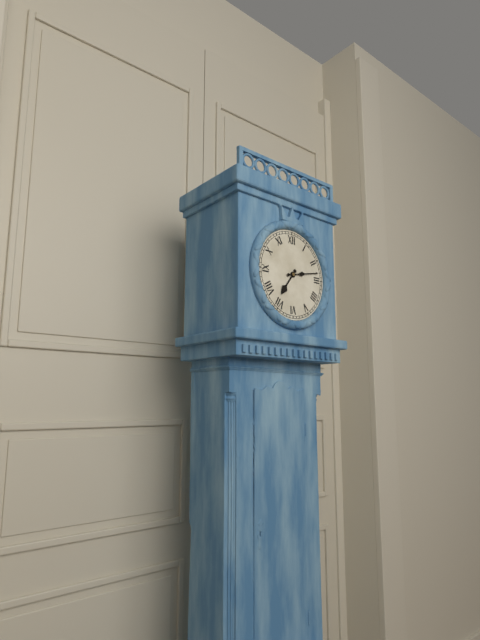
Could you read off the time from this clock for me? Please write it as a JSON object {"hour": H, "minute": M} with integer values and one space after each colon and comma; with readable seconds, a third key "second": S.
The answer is {"hour": 7, "minute": 13}
